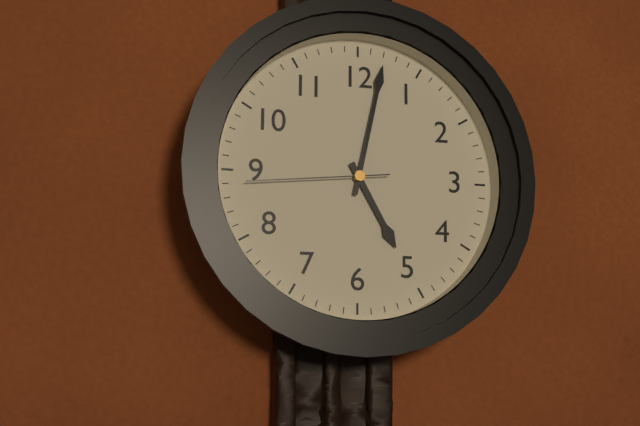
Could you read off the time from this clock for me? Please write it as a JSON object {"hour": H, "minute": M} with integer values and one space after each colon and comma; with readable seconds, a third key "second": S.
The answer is {"hour": 5, "minute": 2, "second": 44}
